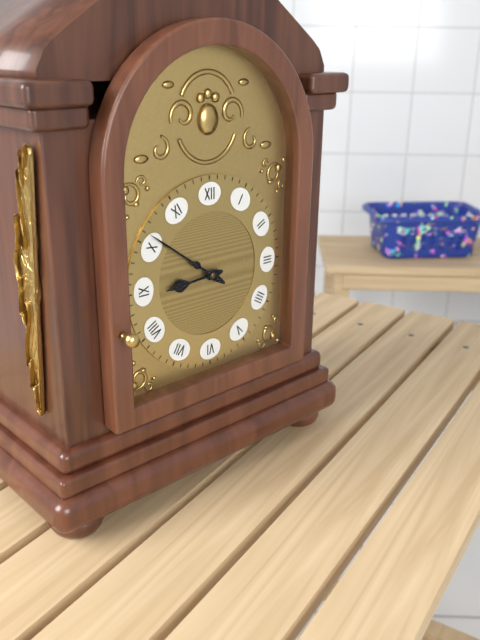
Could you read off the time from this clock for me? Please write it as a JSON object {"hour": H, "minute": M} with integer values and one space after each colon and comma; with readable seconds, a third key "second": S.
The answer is {"hour": 8, "minute": 51}
